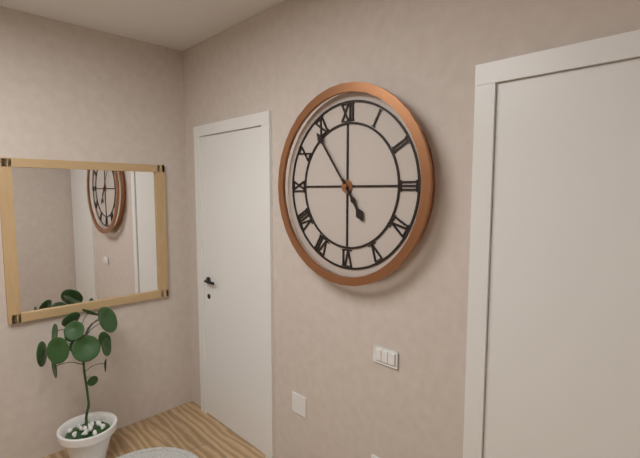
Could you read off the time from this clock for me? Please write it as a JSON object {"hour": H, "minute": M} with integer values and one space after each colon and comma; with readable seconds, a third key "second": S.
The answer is {"hour": 4, "minute": 54}
